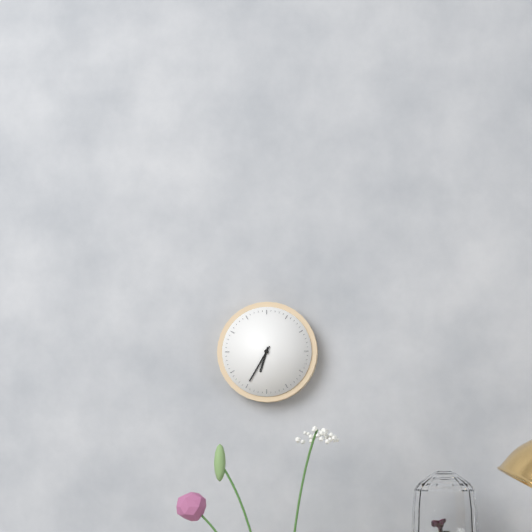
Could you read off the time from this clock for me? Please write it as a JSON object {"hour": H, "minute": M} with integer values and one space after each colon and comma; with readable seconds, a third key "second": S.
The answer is {"hour": 6, "minute": 35}
